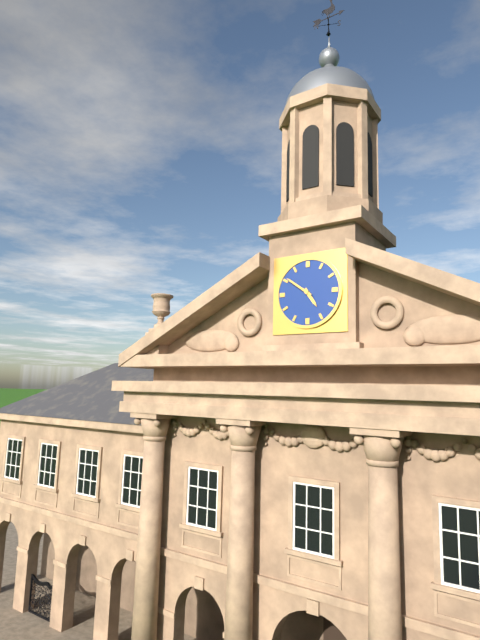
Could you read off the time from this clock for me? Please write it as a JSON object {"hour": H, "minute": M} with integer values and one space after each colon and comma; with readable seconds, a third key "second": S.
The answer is {"hour": 4, "minute": 51}
